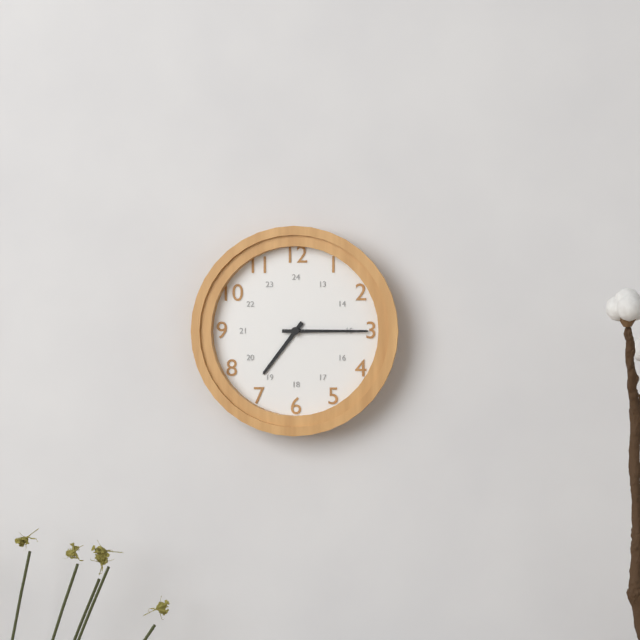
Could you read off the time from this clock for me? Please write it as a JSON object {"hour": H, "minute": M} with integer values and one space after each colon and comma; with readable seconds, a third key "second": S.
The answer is {"hour": 7, "minute": 15}
